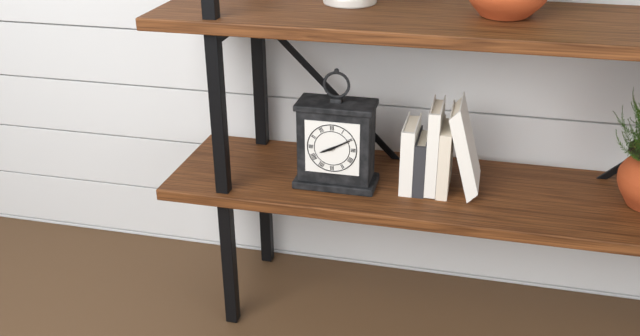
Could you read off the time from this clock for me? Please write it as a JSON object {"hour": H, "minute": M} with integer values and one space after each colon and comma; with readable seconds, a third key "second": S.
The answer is {"hour": 8, "minute": 10}
